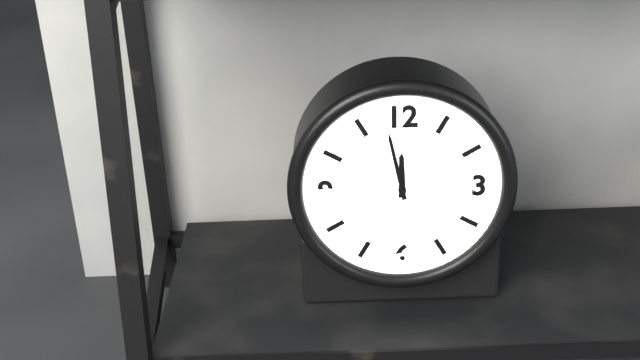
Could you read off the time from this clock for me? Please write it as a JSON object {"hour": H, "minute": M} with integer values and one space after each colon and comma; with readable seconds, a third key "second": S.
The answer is {"hour": 11, "minute": 58}
